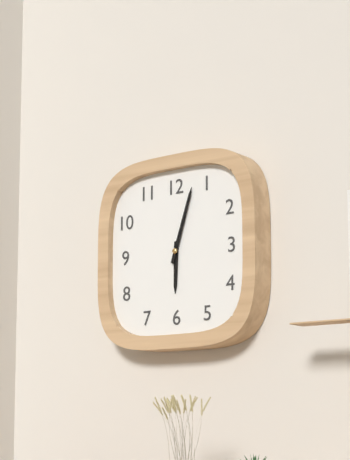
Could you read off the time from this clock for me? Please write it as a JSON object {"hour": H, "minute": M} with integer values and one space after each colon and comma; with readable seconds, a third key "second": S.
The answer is {"hour": 6, "minute": 3}
